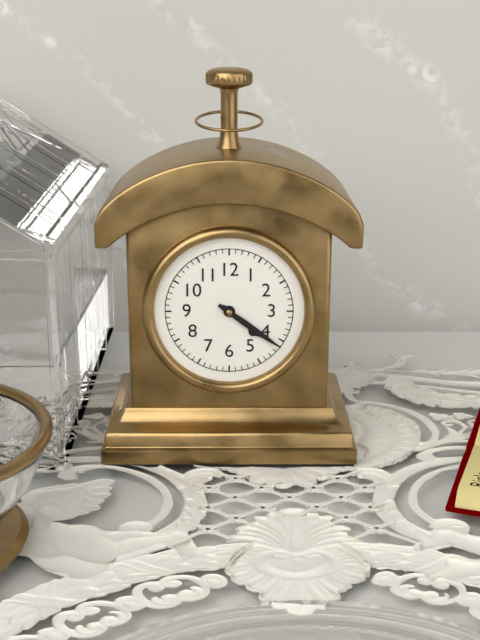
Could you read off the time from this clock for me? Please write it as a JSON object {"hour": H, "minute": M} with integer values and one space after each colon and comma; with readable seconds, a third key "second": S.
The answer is {"hour": 4, "minute": 21}
